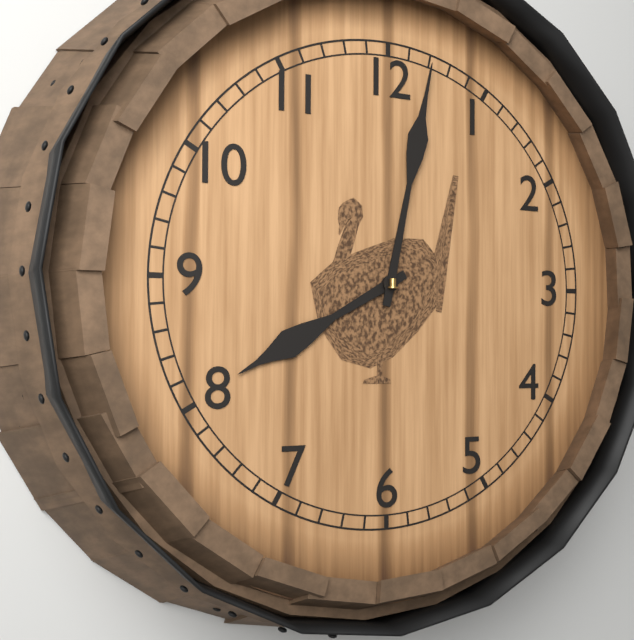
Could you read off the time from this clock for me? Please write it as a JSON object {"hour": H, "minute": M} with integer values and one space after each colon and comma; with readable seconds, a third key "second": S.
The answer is {"hour": 8, "minute": 2}
